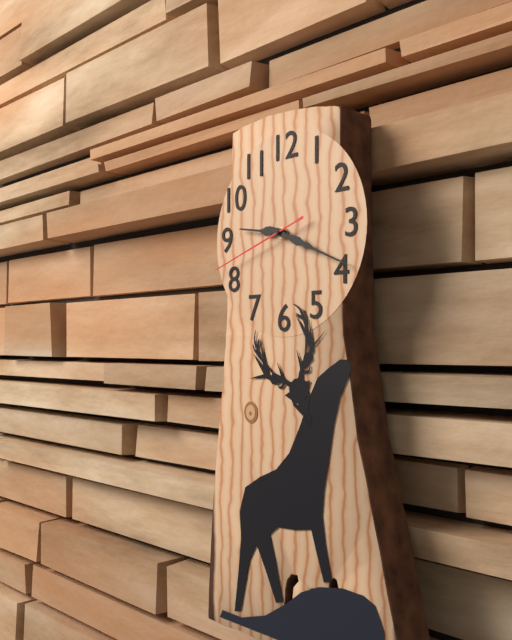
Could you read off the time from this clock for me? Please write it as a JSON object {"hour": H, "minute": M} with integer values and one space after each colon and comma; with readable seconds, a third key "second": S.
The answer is {"hour": 9, "minute": 19, "second": 42}
